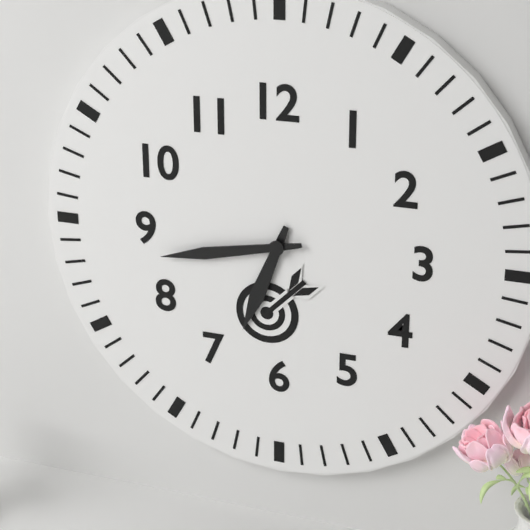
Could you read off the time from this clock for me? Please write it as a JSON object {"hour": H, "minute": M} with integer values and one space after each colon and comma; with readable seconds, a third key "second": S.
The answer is {"hour": 6, "minute": 43}
